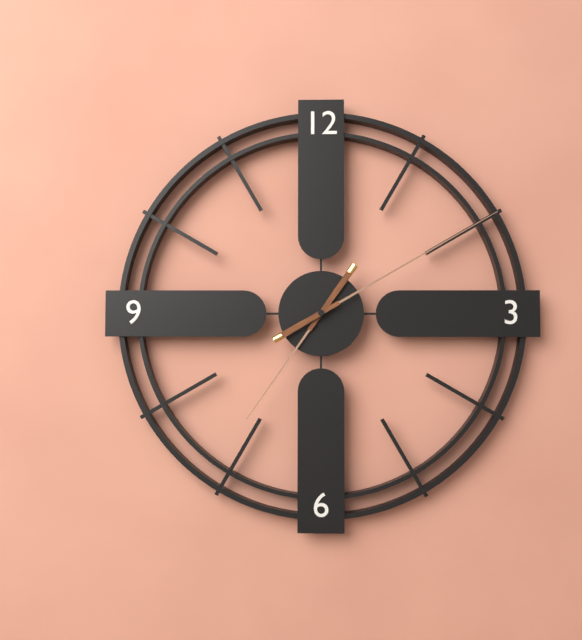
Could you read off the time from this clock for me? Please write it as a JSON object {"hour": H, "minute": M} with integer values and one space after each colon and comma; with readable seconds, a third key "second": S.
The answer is {"hour": 7, "minute": 10}
